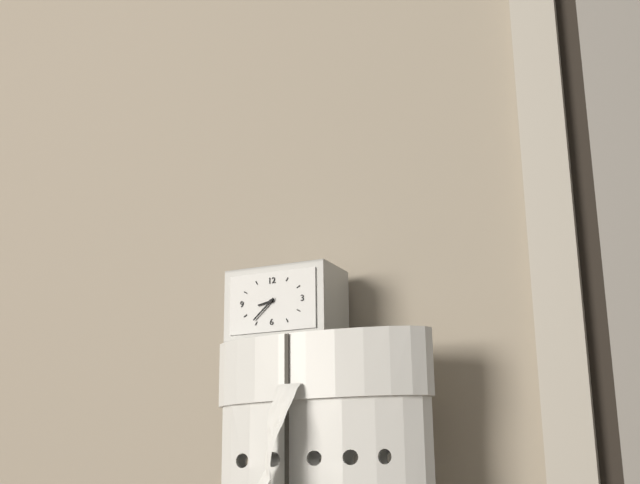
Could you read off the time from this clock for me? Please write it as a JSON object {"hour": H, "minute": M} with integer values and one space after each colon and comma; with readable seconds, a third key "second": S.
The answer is {"hour": 8, "minute": 38}
